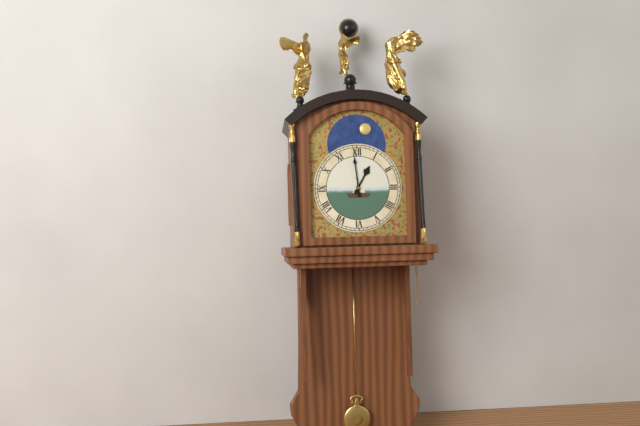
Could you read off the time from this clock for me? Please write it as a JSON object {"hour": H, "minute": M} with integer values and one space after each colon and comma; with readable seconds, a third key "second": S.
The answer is {"hour": 12, "minute": 59}
